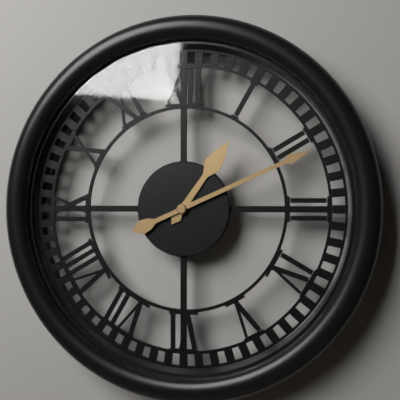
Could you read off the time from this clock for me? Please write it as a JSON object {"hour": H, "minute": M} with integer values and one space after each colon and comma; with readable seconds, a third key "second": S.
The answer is {"hour": 1, "minute": 11}
